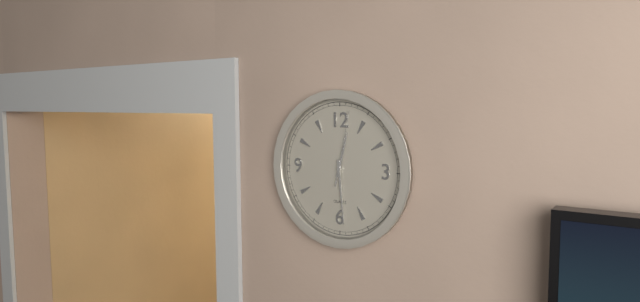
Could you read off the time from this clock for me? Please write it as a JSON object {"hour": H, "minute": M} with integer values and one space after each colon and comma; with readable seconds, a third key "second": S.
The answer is {"hour": 12, "minute": 29, "second": 2}
